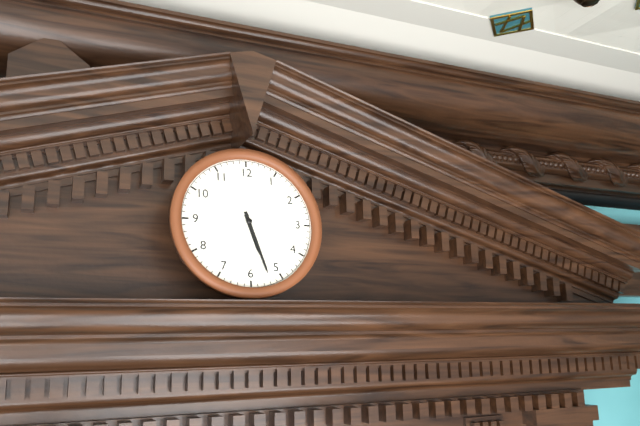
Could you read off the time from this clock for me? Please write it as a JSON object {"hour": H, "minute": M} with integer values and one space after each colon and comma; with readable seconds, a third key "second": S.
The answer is {"hour": 5, "minute": 27}
